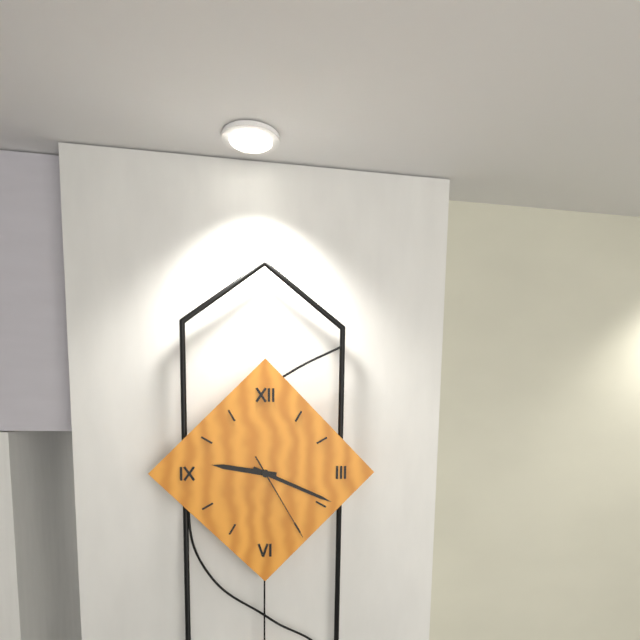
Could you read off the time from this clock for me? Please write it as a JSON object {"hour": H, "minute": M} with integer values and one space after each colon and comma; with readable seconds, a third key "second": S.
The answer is {"hour": 9, "minute": 19, "second": 25}
